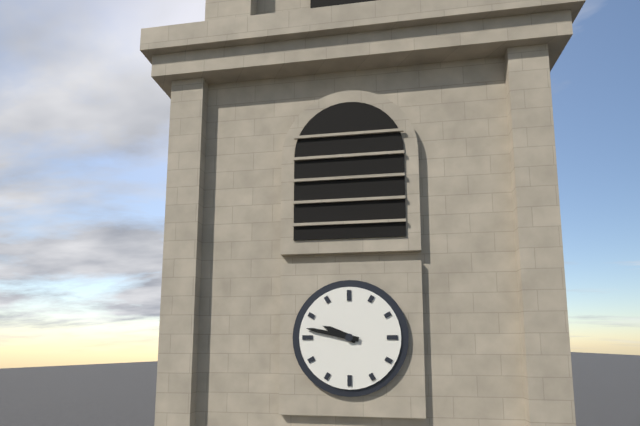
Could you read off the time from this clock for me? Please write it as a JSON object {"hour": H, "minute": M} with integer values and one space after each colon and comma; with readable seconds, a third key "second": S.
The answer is {"hour": 9, "minute": 47}
